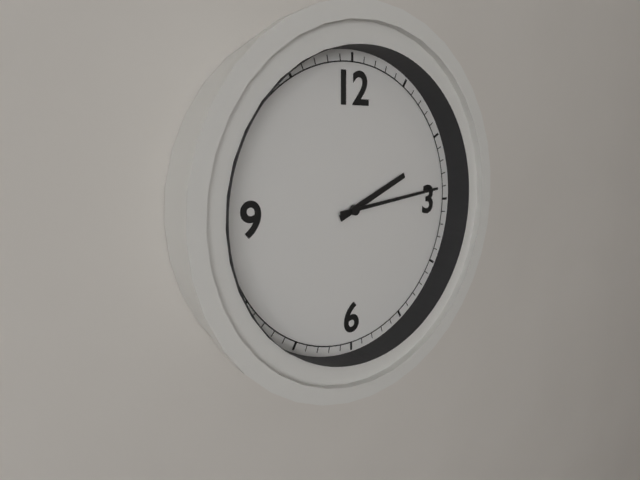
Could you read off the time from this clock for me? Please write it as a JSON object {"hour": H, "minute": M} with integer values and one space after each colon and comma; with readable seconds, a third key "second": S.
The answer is {"hour": 2, "minute": 14}
